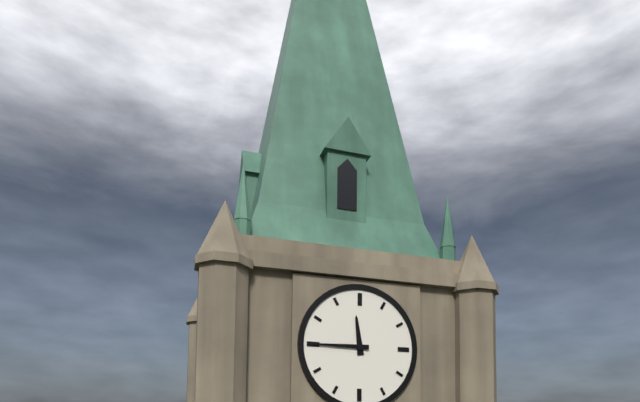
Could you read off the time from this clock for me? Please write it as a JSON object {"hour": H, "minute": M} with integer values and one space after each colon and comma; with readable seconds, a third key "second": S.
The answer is {"hour": 11, "minute": 45}
